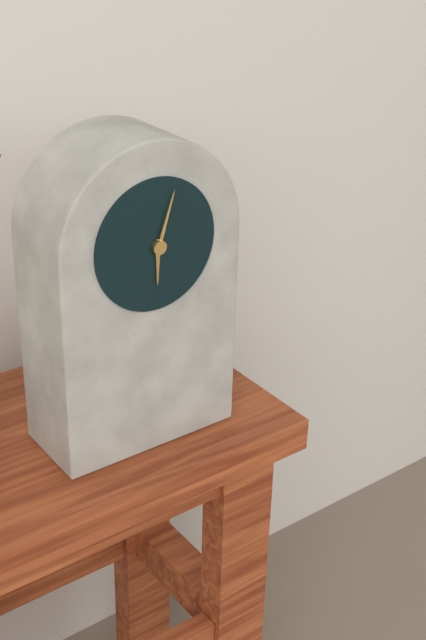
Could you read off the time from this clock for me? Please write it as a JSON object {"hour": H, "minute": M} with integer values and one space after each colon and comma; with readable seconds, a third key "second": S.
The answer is {"hour": 6, "minute": 3}
